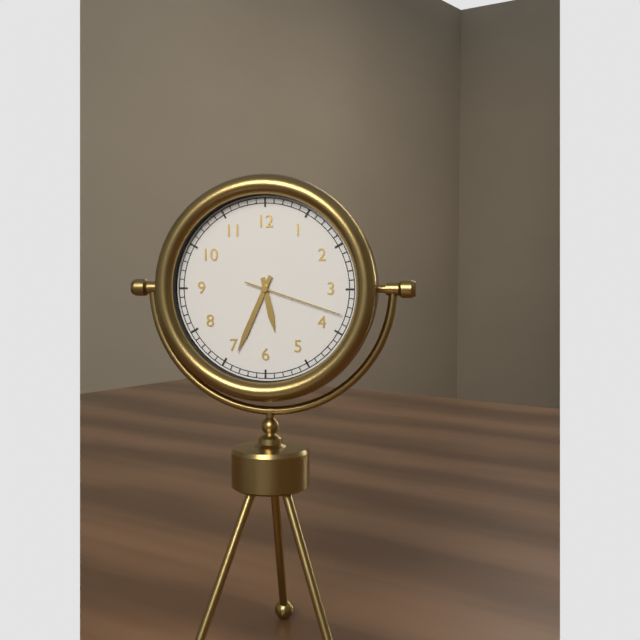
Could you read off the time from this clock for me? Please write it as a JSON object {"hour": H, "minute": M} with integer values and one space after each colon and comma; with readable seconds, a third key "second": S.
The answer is {"hour": 5, "minute": 34, "second": 18}
